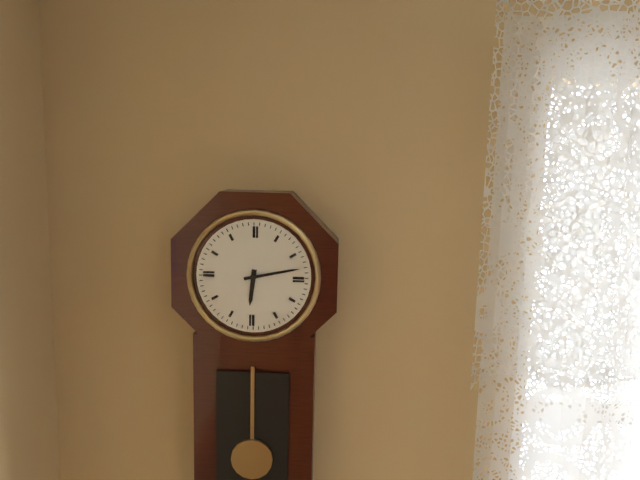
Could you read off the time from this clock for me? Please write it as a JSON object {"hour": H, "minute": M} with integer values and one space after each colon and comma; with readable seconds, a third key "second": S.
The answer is {"hour": 6, "minute": 13}
